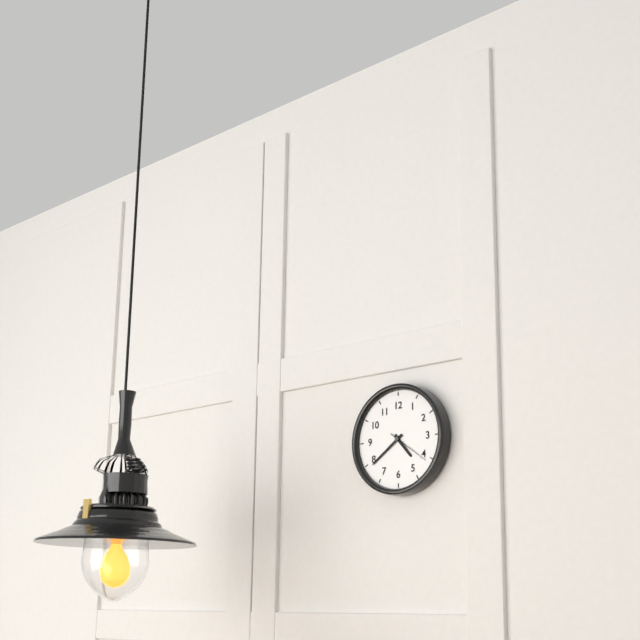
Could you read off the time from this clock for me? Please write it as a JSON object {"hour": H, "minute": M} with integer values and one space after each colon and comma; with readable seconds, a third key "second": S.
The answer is {"hour": 4, "minute": 39}
